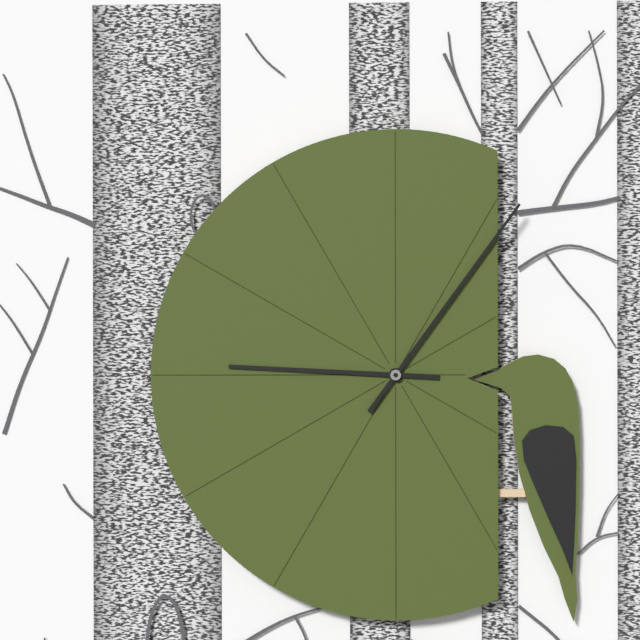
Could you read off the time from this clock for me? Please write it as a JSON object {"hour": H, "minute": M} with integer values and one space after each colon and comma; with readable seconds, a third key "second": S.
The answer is {"hour": 9, "minute": 6}
